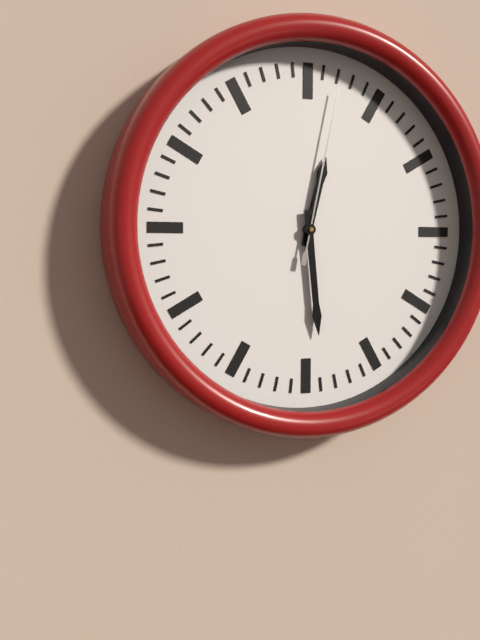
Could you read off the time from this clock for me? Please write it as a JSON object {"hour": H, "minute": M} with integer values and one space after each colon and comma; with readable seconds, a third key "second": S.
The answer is {"hour": 12, "minute": 29, "second": 2}
